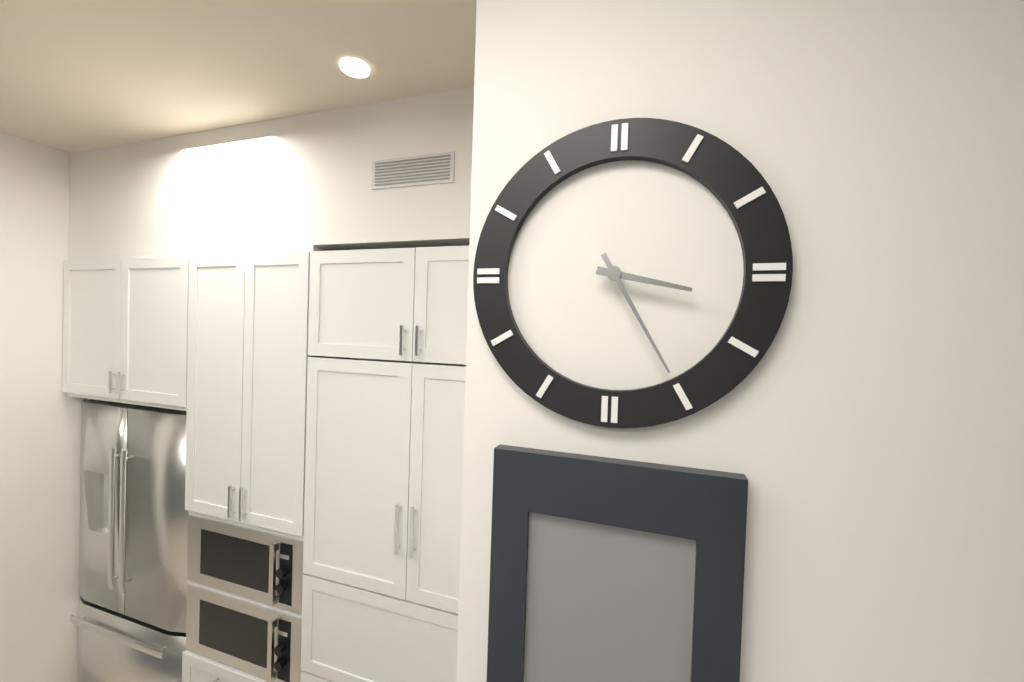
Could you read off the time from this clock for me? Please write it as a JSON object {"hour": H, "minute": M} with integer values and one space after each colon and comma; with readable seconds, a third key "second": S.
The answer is {"hour": 3, "minute": 25}
